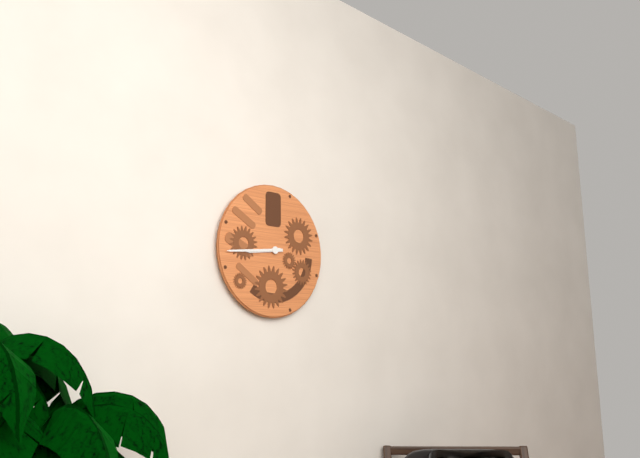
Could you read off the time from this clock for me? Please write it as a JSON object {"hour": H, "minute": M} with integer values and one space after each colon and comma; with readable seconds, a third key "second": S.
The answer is {"hour": 8, "minute": 44}
